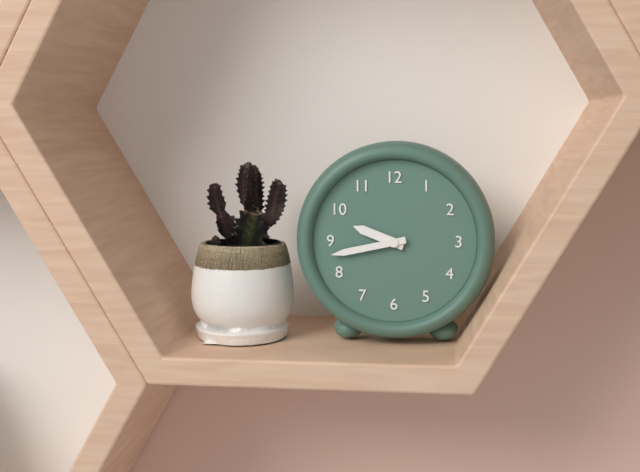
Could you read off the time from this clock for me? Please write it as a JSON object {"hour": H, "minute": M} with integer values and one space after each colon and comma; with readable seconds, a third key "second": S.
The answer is {"hour": 9, "minute": 43}
